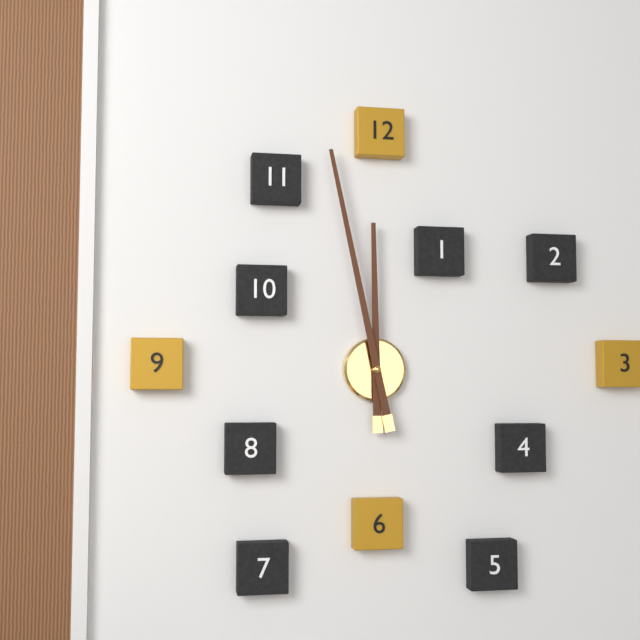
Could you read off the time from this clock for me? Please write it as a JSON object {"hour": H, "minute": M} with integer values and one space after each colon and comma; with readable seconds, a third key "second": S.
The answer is {"hour": 11, "minute": 58}
